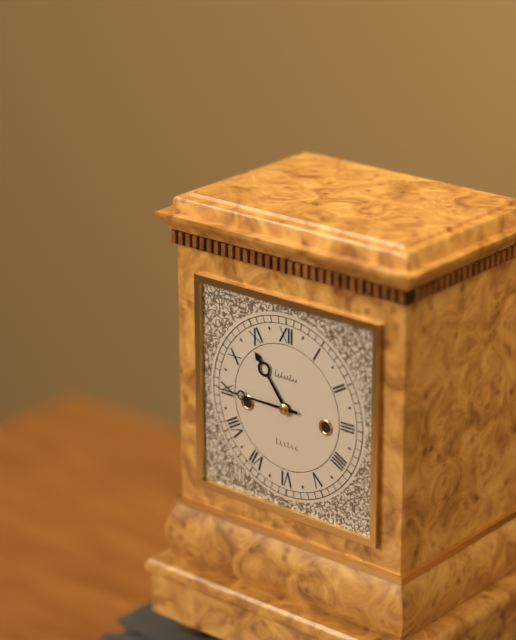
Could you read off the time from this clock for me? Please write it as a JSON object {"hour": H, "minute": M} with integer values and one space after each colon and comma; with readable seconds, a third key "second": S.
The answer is {"hour": 10, "minute": 45}
